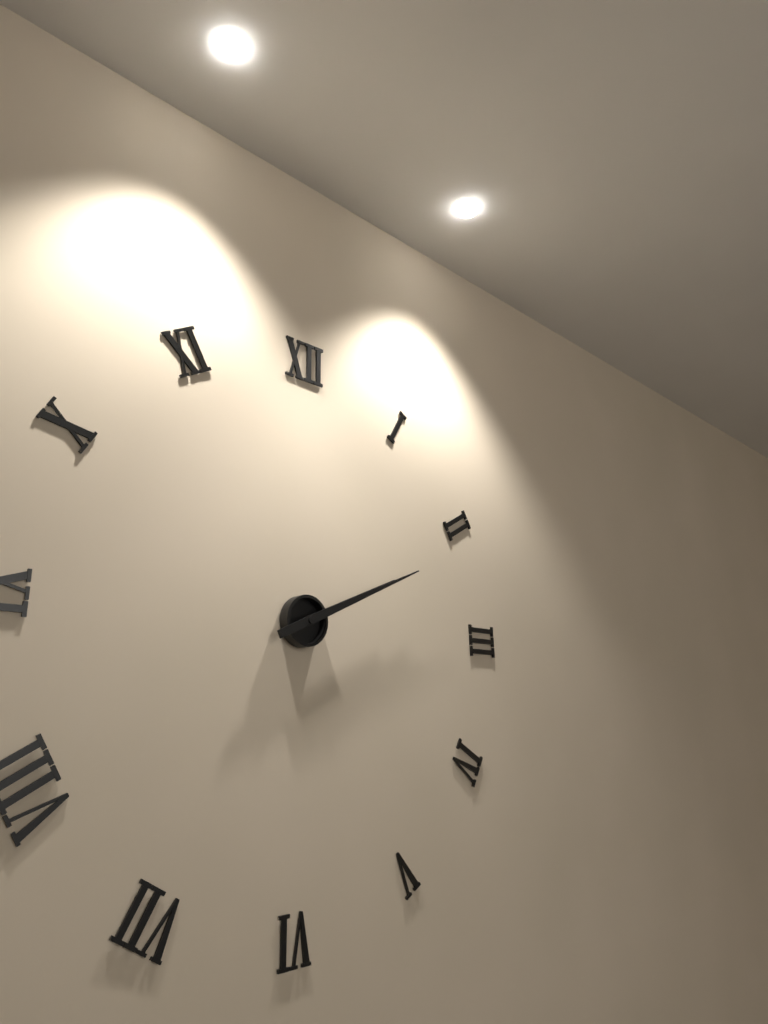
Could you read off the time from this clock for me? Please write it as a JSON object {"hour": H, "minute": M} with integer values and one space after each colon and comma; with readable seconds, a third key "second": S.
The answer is {"hour": 2, "minute": 11}
